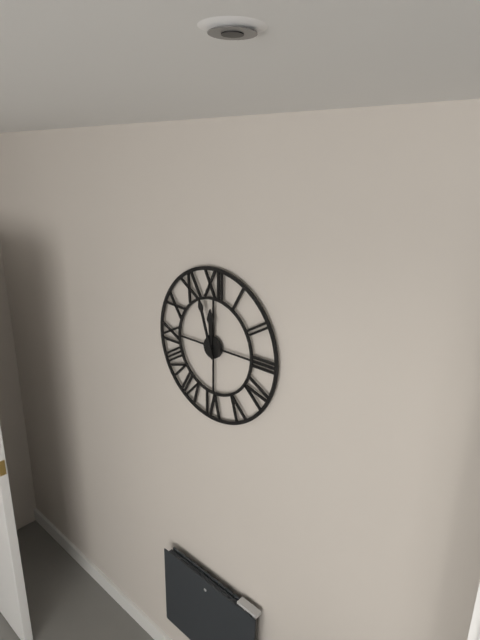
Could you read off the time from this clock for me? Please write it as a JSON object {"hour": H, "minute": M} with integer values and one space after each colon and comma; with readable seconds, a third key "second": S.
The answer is {"hour": 11, "minute": 57}
